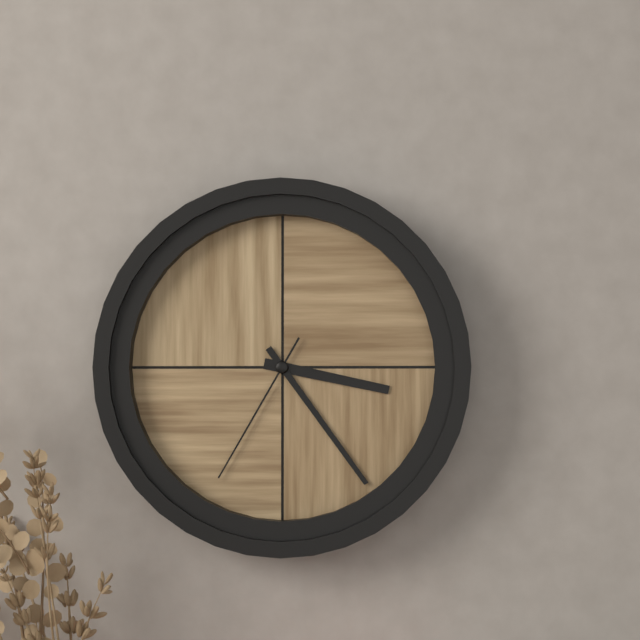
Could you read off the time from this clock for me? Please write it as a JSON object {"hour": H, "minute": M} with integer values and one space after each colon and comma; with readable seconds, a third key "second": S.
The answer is {"hour": 3, "minute": 24, "second": 35}
